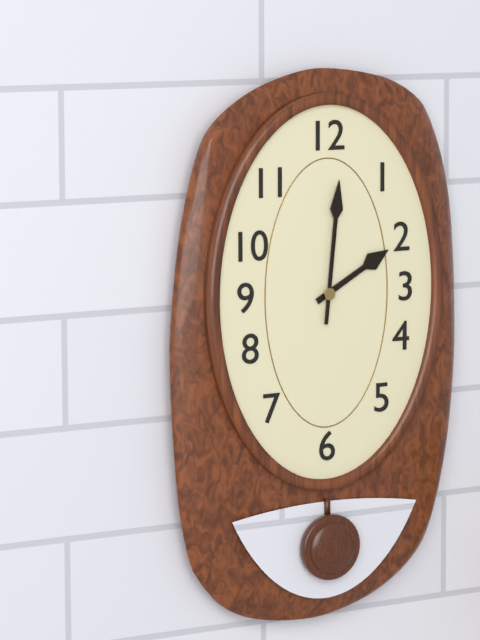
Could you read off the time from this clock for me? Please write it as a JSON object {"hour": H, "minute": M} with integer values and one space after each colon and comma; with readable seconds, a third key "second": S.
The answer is {"hour": 2, "minute": 1}
